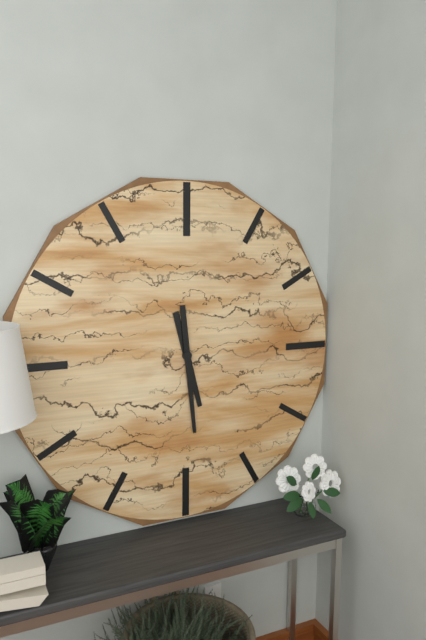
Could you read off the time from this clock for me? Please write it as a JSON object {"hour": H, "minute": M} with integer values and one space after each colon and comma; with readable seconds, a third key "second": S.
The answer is {"hour": 5, "minute": 29}
